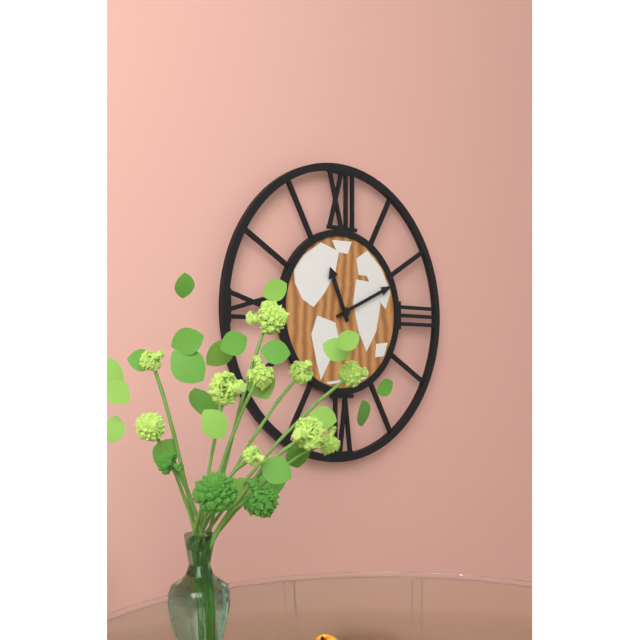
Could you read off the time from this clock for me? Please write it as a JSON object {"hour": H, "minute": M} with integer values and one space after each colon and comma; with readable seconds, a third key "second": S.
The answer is {"hour": 11, "minute": 11}
